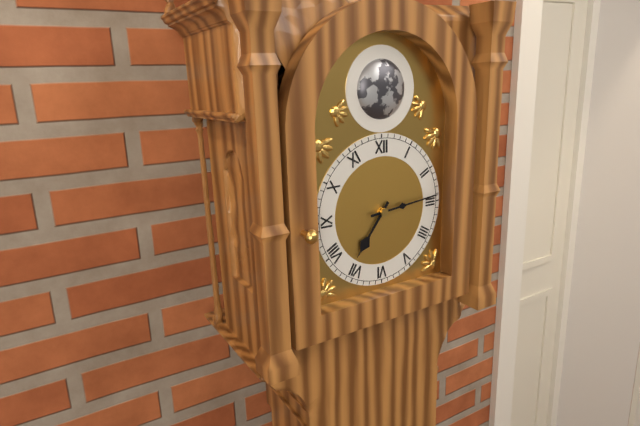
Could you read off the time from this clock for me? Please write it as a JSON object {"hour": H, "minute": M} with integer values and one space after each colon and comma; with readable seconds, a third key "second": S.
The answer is {"hour": 7, "minute": 14}
